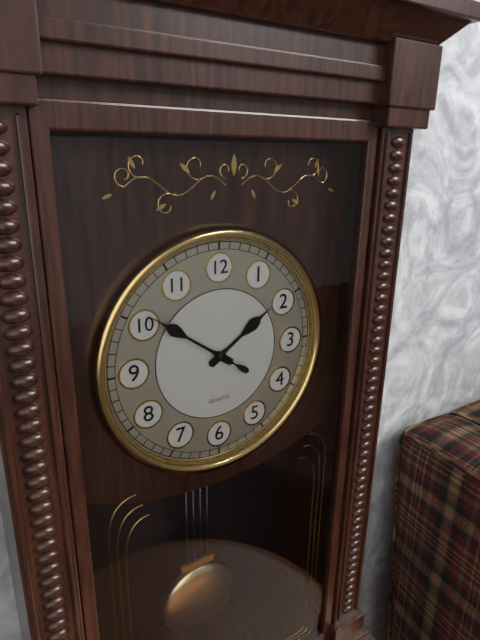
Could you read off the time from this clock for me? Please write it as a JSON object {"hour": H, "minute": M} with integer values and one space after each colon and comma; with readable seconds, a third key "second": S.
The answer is {"hour": 1, "minute": 51, "second": 51}
